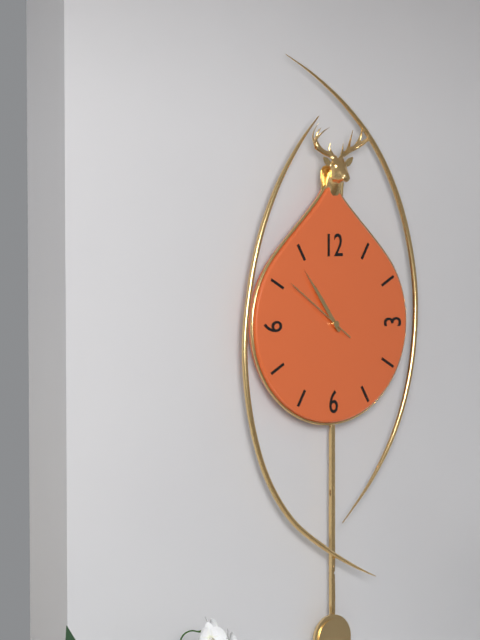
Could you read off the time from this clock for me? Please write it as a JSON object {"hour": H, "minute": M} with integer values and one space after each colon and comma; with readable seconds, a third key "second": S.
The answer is {"hour": 10, "minute": 54, "second": 51}
